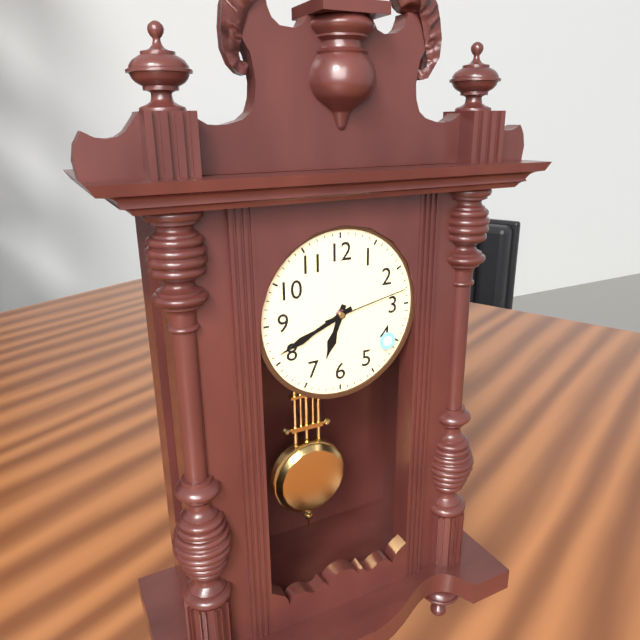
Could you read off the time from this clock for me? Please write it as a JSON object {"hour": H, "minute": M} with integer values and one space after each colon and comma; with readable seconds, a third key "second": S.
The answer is {"hour": 6, "minute": 41, "second": 13}
